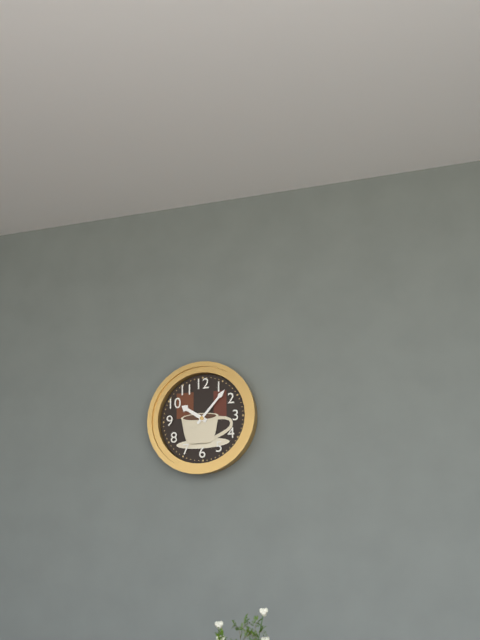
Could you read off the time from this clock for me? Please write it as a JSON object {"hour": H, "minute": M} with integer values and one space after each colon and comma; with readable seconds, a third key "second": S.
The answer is {"hour": 10, "minute": 7}
